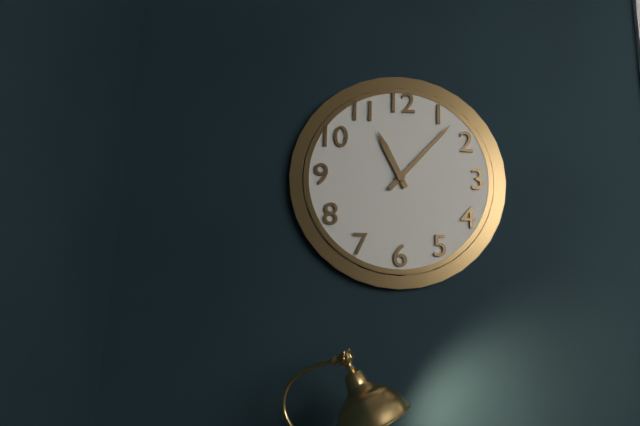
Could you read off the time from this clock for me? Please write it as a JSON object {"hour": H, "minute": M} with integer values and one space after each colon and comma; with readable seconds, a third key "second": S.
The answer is {"hour": 11, "minute": 7}
